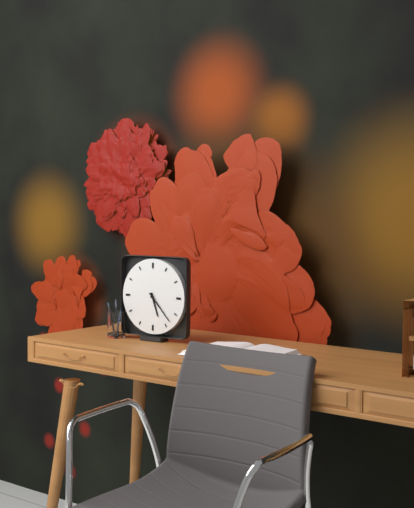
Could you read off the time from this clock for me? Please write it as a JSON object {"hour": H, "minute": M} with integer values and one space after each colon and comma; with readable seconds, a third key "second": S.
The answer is {"hour": 5, "minute": 23}
